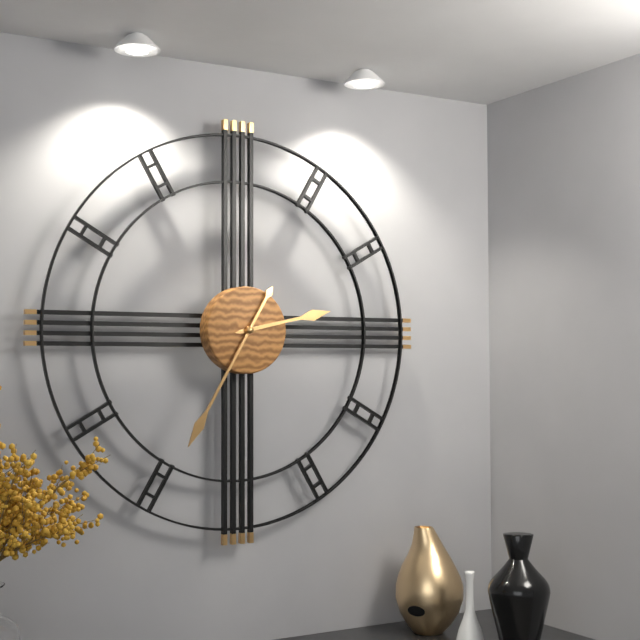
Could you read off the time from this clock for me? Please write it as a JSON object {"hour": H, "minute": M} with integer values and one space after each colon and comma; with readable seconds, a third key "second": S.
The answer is {"hour": 2, "minute": 35}
